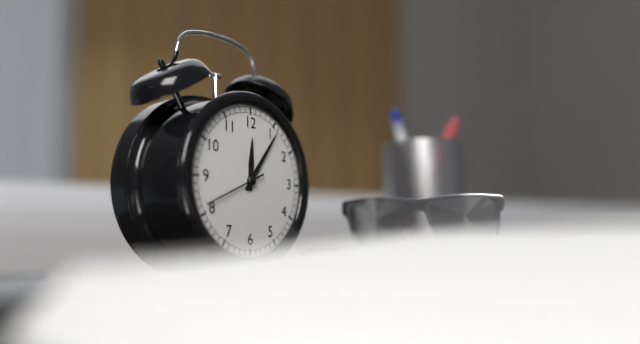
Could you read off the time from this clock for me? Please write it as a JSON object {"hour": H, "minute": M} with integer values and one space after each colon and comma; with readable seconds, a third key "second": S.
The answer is {"hour": 12, "minute": 6, "second": 41}
